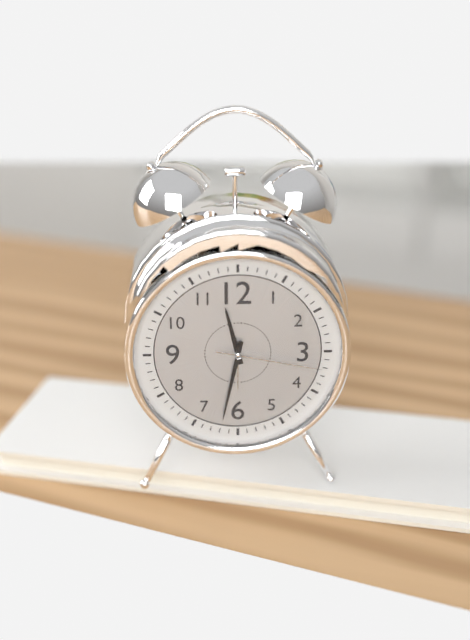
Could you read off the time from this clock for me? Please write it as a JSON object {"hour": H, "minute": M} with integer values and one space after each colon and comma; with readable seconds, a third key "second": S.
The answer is {"hour": 11, "minute": 32, "second": 17}
